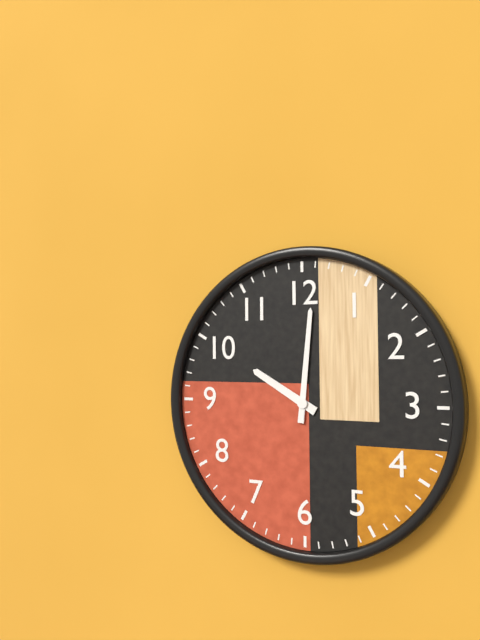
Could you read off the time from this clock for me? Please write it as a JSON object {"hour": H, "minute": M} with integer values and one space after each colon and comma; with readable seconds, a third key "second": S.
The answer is {"hour": 10, "minute": 1}
